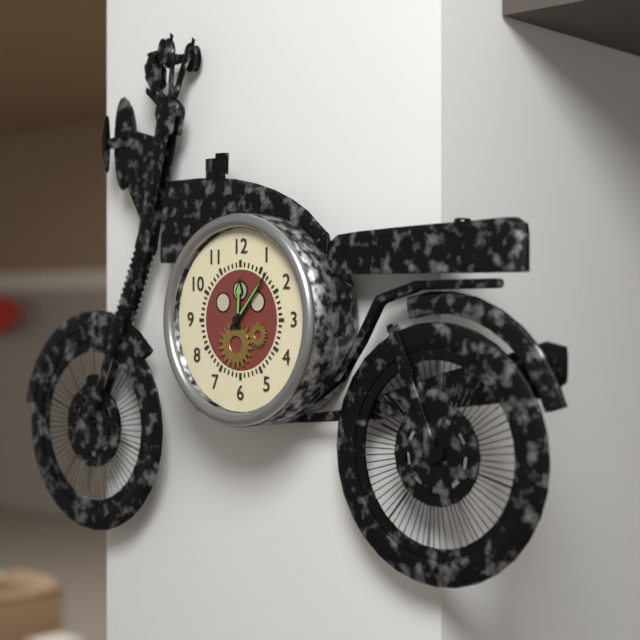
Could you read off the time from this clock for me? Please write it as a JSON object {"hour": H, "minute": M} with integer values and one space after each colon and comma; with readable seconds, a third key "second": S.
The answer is {"hour": 12, "minute": 7}
